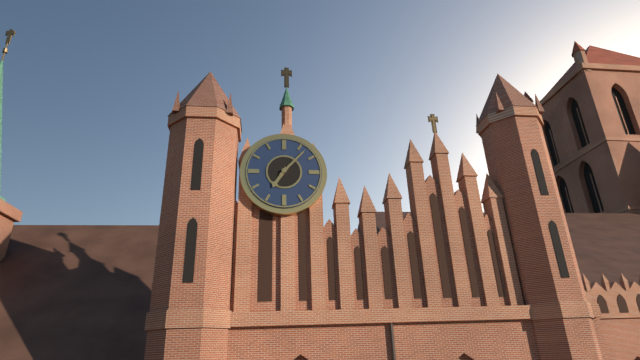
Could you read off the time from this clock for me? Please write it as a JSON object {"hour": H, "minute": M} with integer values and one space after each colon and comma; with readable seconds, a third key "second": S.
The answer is {"hour": 7, "minute": 7}
